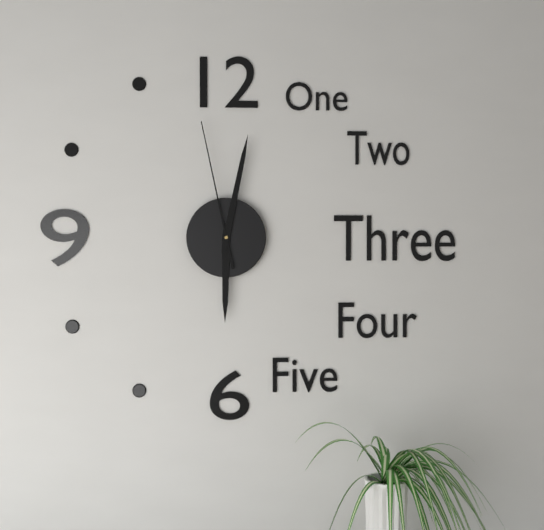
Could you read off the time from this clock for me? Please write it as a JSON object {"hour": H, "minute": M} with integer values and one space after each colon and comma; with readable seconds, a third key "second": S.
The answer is {"hour": 6, "minute": 2, "second": 58}
